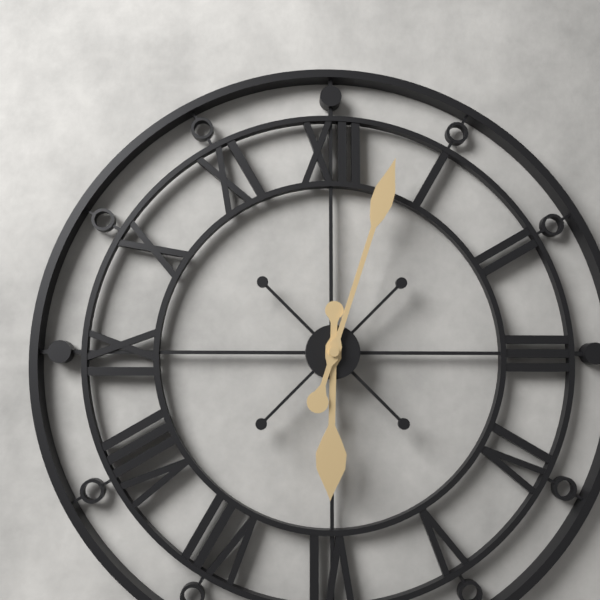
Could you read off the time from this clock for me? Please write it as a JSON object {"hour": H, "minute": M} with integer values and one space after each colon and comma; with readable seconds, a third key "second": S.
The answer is {"hour": 6, "minute": 3}
